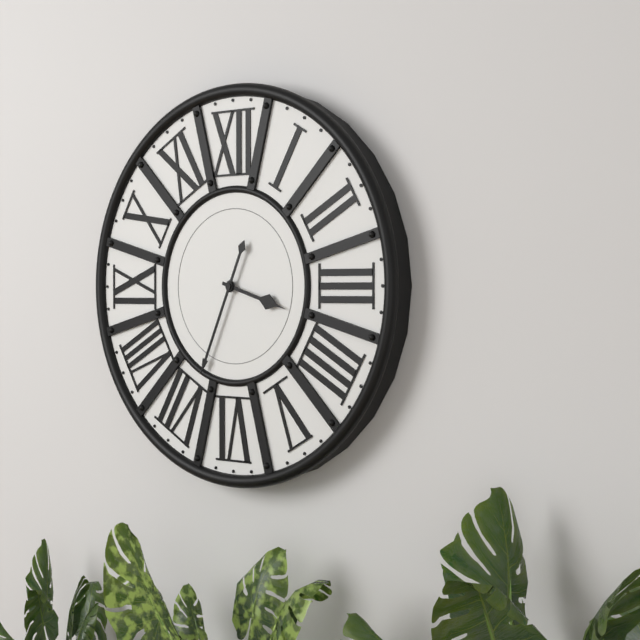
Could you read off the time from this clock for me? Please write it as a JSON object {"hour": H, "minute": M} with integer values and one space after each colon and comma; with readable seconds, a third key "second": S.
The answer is {"hour": 3, "minute": 34}
